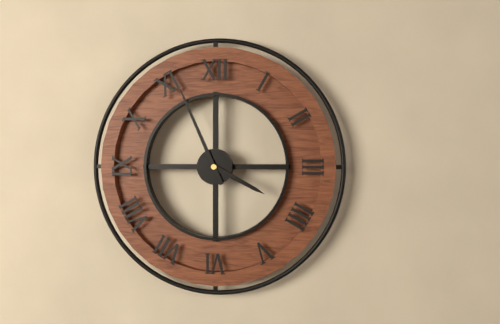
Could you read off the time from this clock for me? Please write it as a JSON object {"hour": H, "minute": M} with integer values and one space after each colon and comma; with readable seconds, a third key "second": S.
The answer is {"hour": 3, "minute": 56}
